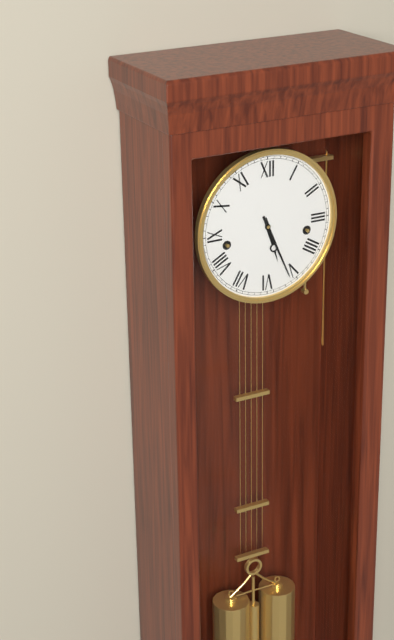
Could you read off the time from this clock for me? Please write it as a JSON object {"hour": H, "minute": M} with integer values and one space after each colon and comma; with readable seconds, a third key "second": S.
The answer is {"hour": 5, "minute": 26}
